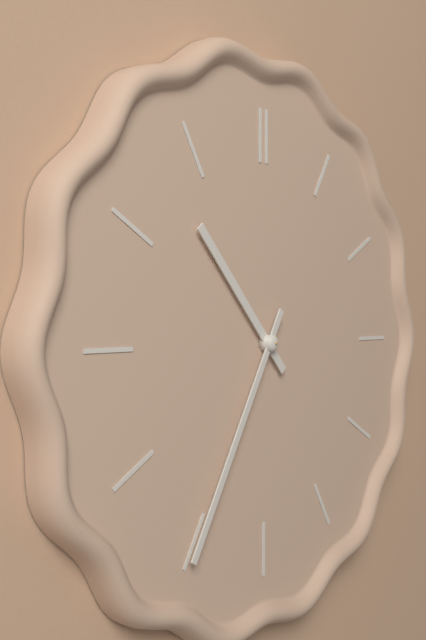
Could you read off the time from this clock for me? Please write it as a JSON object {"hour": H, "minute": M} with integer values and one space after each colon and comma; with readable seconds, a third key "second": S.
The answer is {"hour": 10, "minute": 35}
